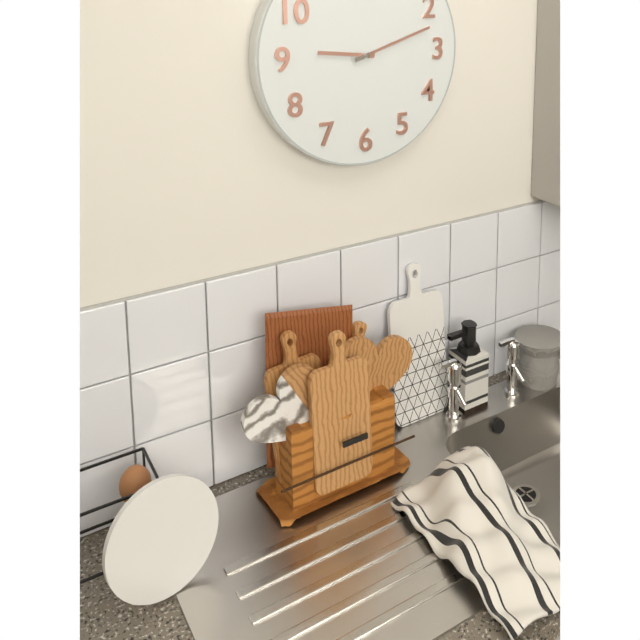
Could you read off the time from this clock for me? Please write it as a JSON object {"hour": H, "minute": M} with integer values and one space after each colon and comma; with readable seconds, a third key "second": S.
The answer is {"hour": 9, "minute": 12}
